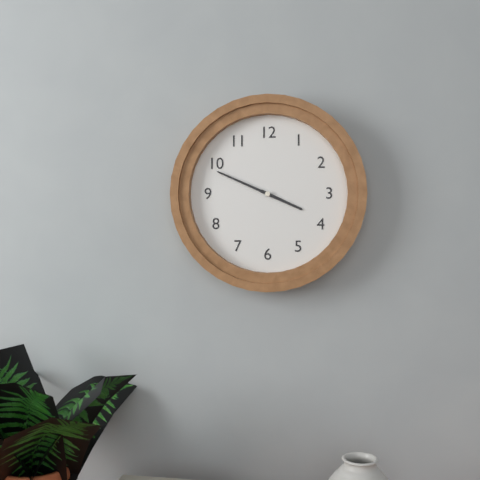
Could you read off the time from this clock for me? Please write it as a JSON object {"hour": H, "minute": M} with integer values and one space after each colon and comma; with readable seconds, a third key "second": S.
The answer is {"hour": 3, "minute": 49}
